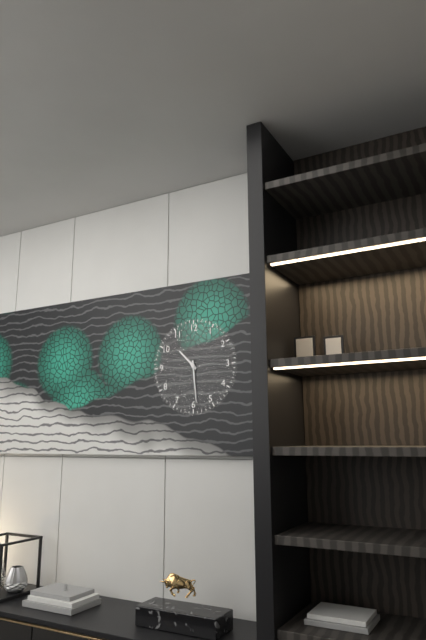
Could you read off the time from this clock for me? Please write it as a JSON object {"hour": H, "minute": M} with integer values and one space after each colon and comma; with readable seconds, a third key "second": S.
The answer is {"hour": 10, "minute": 29}
